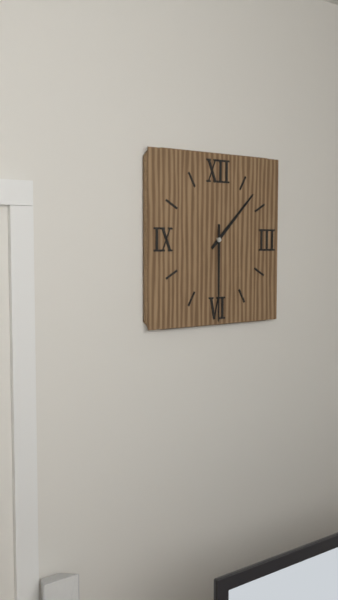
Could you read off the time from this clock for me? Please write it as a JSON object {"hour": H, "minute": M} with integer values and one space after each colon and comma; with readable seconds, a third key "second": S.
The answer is {"hour": 1, "minute": 30}
